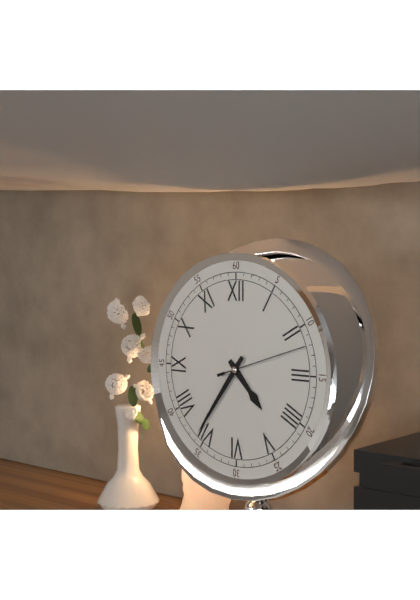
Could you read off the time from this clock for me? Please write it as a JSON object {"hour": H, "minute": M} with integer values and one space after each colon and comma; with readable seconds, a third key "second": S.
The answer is {"hour": 4, "minute": 36, "second": 12}
